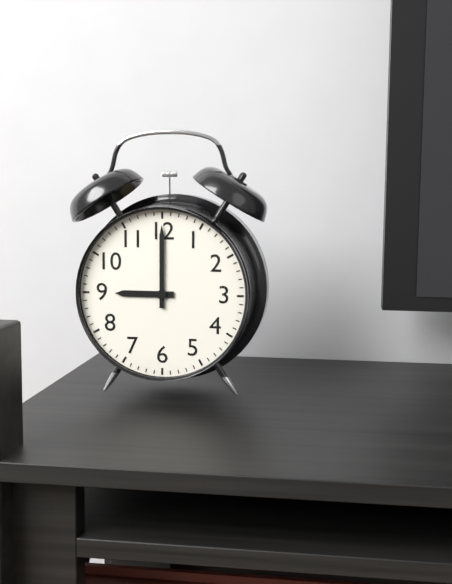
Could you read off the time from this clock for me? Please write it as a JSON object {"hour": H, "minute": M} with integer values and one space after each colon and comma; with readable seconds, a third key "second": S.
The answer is {"hour": 9, "minute": 0}
